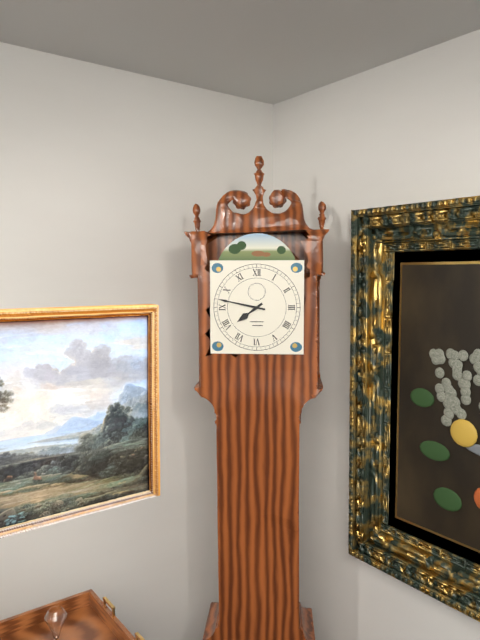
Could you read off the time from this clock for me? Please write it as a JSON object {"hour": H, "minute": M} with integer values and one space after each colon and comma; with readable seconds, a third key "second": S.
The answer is {"hour": 7, "minute": 47}
